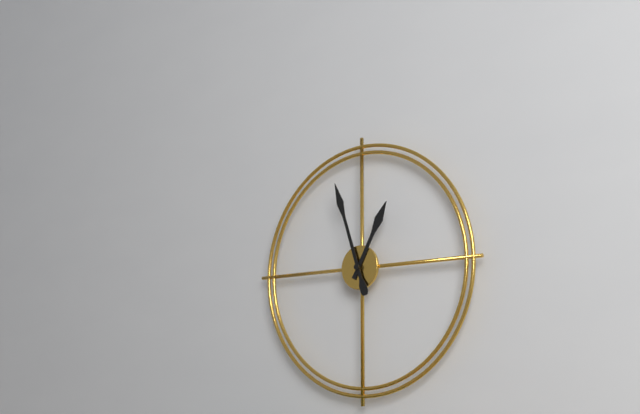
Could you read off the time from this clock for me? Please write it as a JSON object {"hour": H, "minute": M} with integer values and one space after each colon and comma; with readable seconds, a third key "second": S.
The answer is {"hour": 12, "minute": 57}
